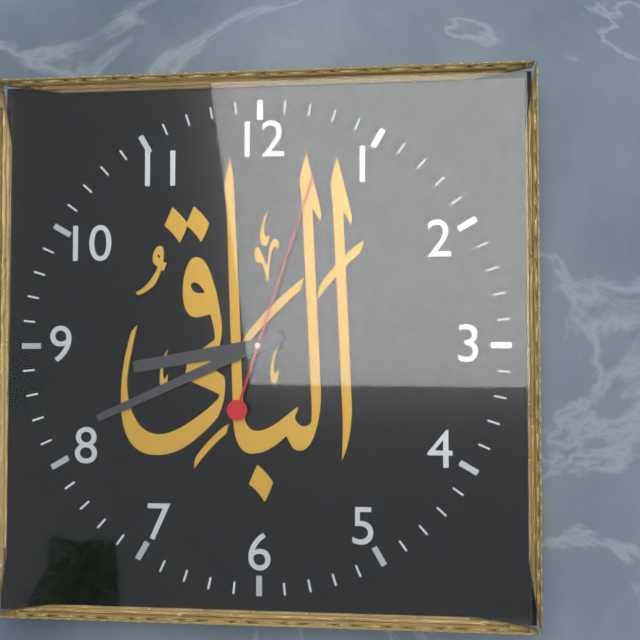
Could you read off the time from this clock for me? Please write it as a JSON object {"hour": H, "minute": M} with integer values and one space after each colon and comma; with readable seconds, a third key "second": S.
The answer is {"hour": 8, "minute": 41, "second": 3}
